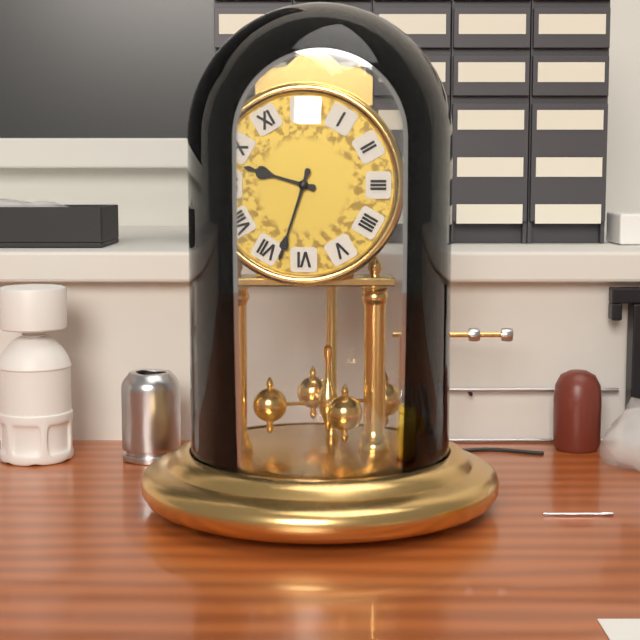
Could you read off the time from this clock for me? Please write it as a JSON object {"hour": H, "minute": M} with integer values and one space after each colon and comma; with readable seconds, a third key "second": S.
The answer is {"hour": 9, "minute": 33}
